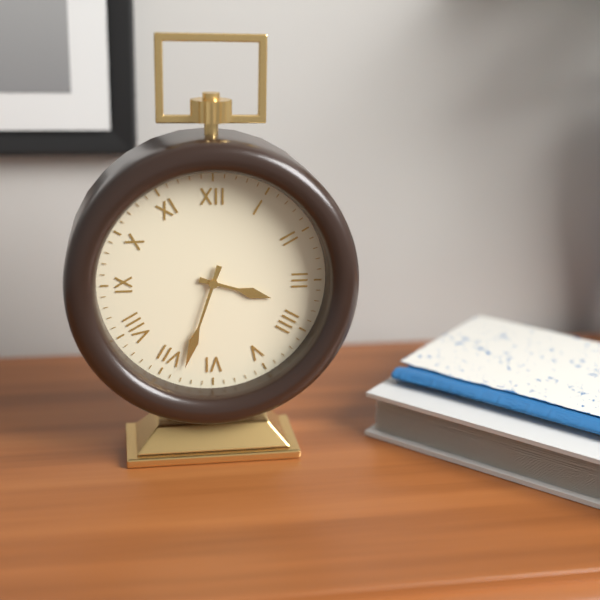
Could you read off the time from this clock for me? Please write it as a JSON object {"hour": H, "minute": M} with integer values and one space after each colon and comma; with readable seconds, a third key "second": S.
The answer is {"hour": 3, "minute": 33}
